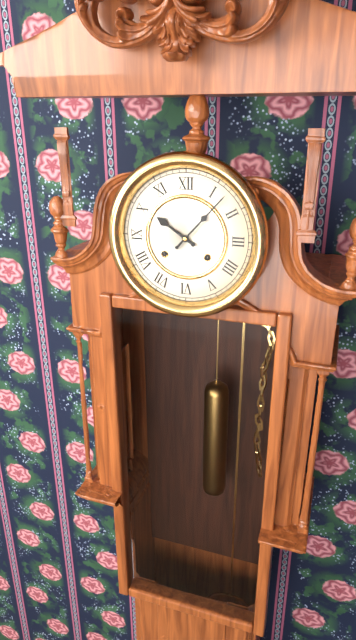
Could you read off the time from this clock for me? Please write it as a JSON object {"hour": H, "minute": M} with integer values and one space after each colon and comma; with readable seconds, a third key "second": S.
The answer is {"hour": 10, "minute": 7}
